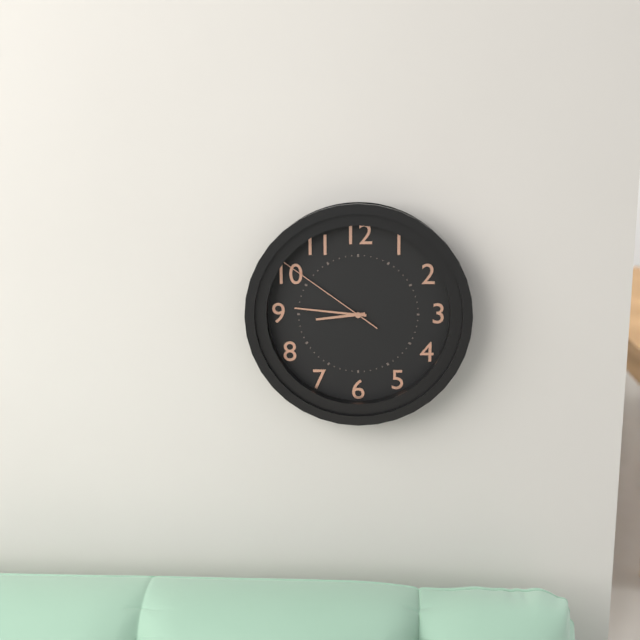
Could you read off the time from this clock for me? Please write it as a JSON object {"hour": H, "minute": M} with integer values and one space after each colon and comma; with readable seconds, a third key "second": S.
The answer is {"hour": 8, "minute": 46, "second": 51}
